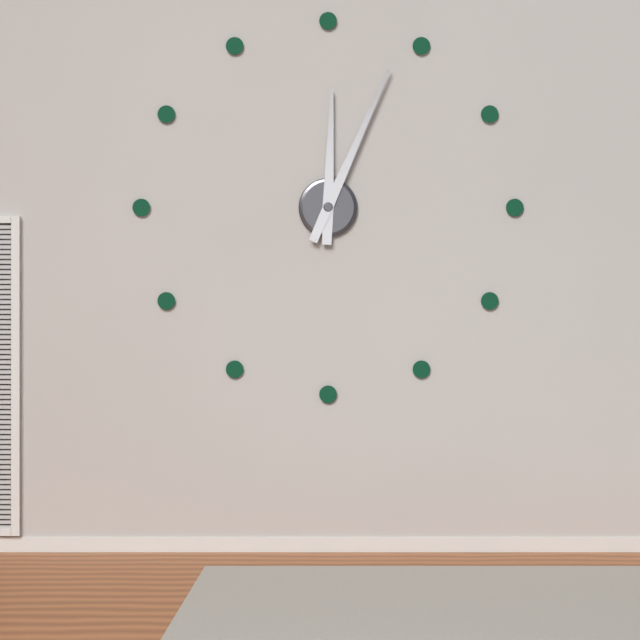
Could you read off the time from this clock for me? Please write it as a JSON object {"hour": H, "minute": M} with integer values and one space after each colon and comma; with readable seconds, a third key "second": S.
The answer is {"hour": 12, "minute": 4}
